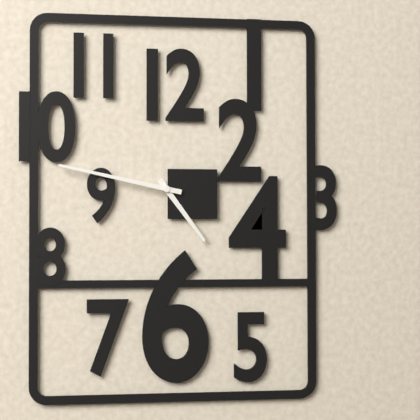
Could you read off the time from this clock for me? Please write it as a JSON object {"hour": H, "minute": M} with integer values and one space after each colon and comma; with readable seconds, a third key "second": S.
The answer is {"hour": 4, "minute": 47}
